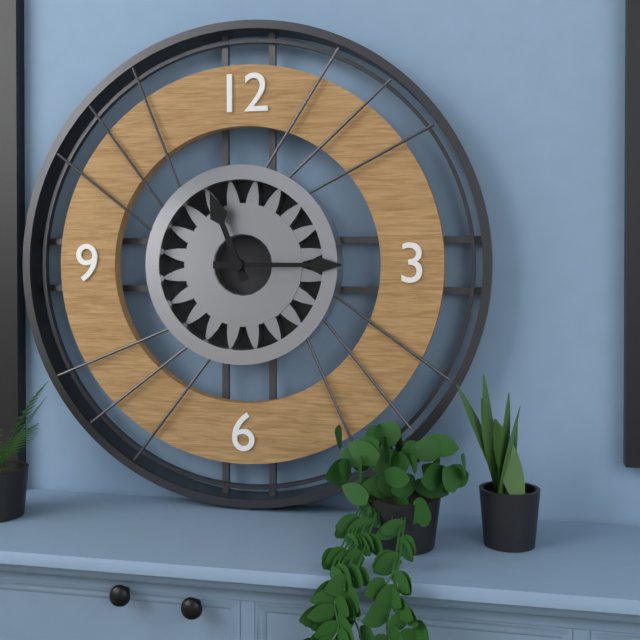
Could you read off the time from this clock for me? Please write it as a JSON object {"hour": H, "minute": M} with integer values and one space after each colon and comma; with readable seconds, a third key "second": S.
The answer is {"hour": 11, "minute": 15}
